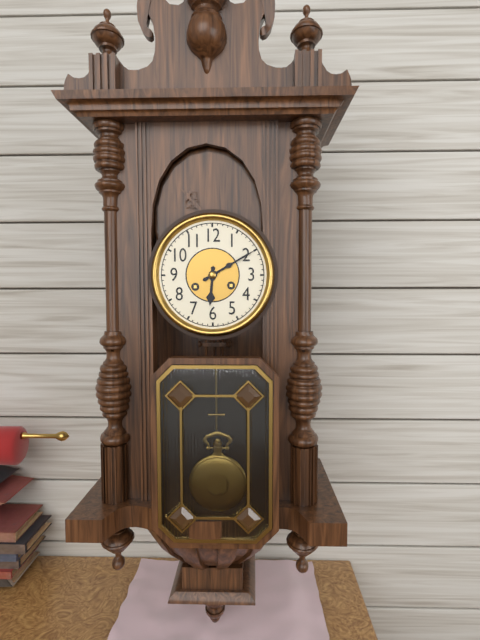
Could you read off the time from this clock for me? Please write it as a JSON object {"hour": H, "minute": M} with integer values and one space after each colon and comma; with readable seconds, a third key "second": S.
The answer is {"hour": 6, "minute": 10}
